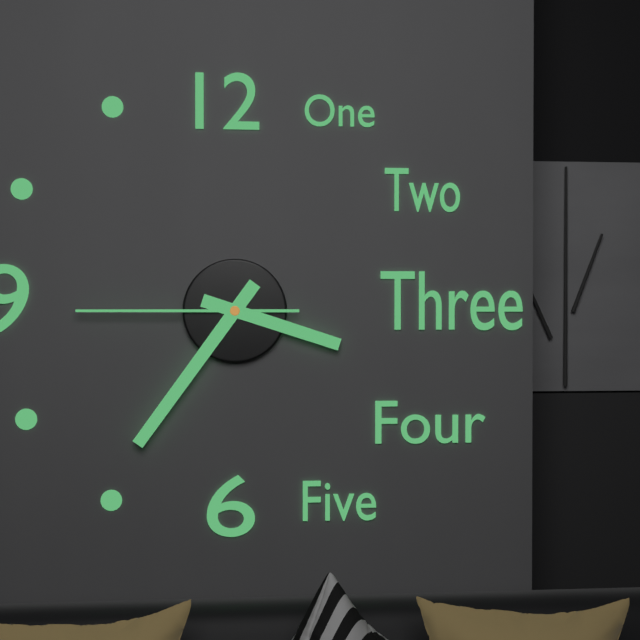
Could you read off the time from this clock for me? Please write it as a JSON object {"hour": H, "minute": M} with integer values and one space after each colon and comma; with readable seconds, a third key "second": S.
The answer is {"hour": 3, "minute": 36, "second": 45}
